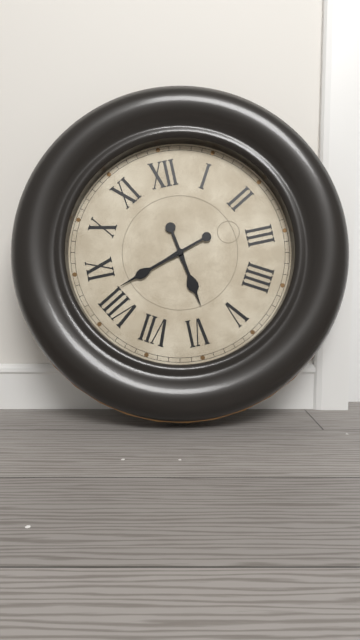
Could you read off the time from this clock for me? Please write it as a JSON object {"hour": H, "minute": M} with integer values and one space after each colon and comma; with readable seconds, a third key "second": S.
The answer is {"hour": 5, "minute": 42}
